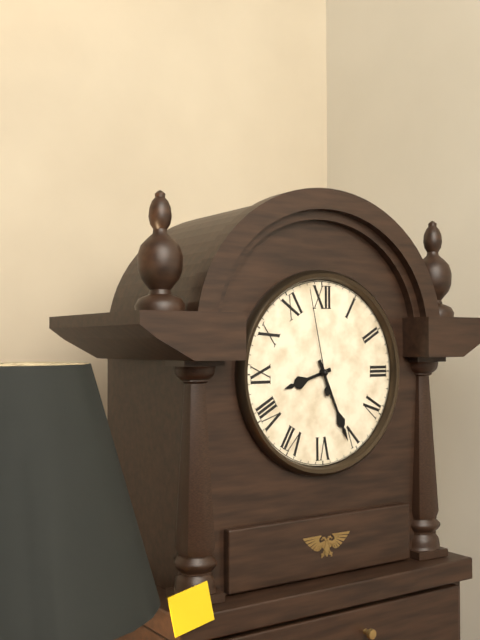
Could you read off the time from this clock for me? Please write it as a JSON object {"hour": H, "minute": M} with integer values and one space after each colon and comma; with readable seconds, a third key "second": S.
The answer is {"hour": 8, "minute": 26, "second": 58}
